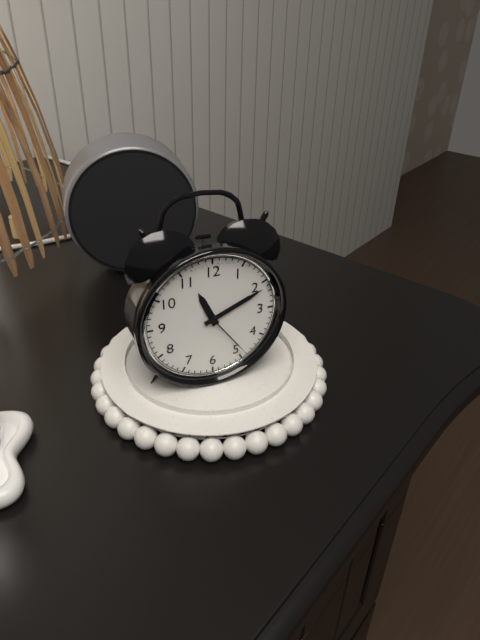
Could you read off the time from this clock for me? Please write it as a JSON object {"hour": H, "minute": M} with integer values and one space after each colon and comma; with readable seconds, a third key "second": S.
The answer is {"hour": 11, "minute": 11, "second": 24}
